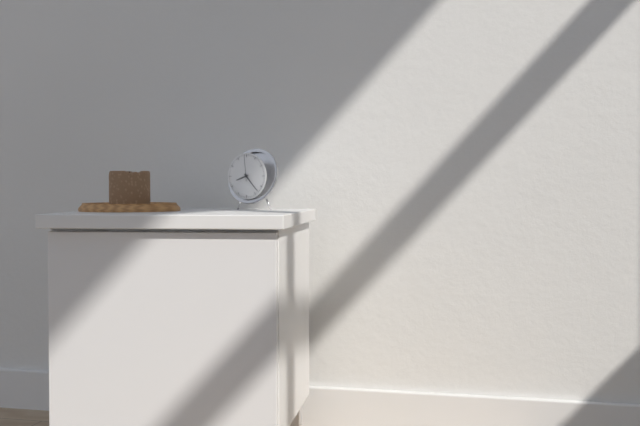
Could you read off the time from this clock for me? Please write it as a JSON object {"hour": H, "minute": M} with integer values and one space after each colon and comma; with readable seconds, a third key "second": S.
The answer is {"hour": 8, "minute": 23}
